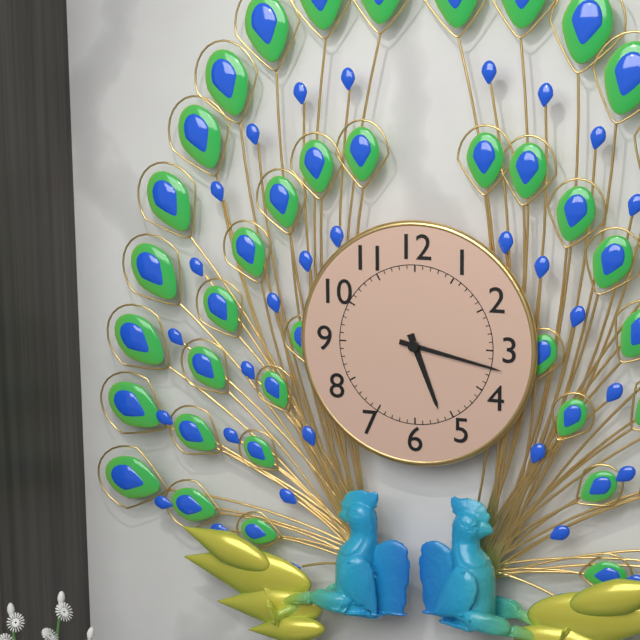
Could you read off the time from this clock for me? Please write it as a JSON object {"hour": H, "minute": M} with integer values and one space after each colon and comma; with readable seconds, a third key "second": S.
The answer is {"hour": 5, "minute": 17}
